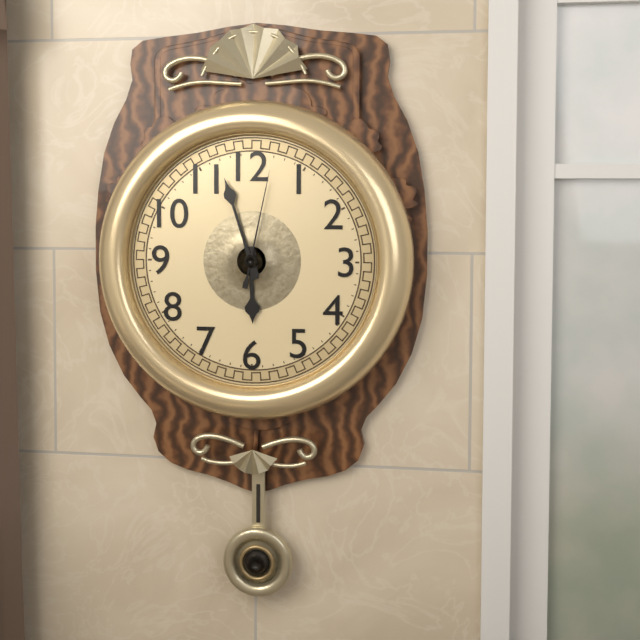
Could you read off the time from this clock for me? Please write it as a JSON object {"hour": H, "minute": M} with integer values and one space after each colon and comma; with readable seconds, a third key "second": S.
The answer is {"hour": 5, "minute": 57, "second": 2}
